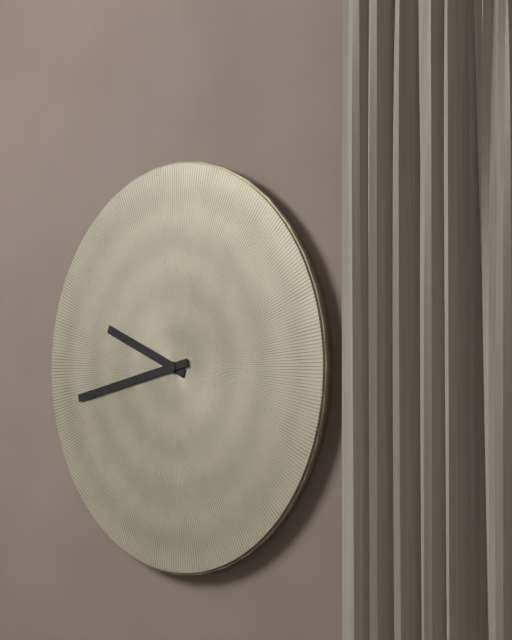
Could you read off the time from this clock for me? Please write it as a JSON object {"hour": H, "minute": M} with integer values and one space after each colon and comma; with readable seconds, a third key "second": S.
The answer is {"hour": 9, "minute": 43}
